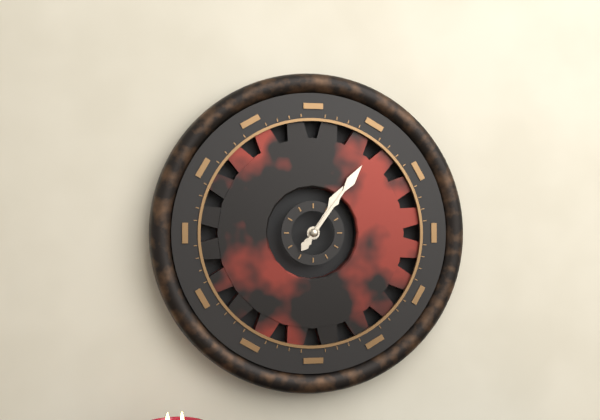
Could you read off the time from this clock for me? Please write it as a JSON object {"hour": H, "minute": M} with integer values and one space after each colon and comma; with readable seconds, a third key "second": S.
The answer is {"hour": 1, "minute": 6}
